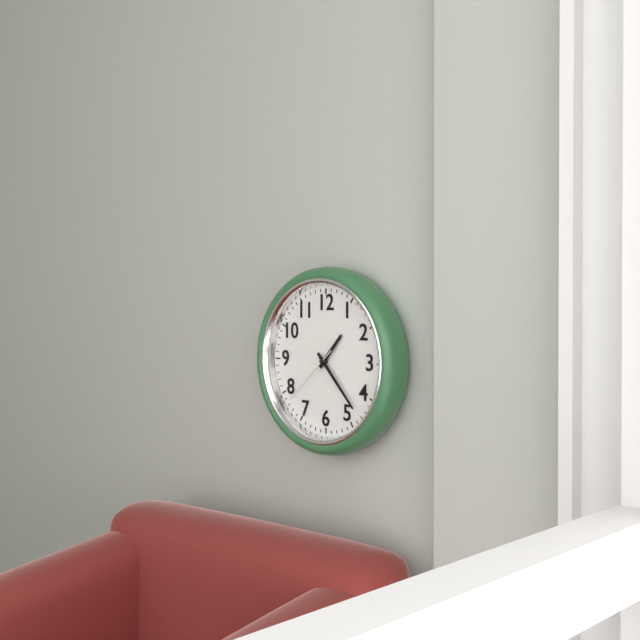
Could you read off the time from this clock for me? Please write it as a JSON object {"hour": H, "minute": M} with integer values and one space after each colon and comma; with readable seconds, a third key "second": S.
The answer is {"hour": 1, "minute": 23, "second": 38}
